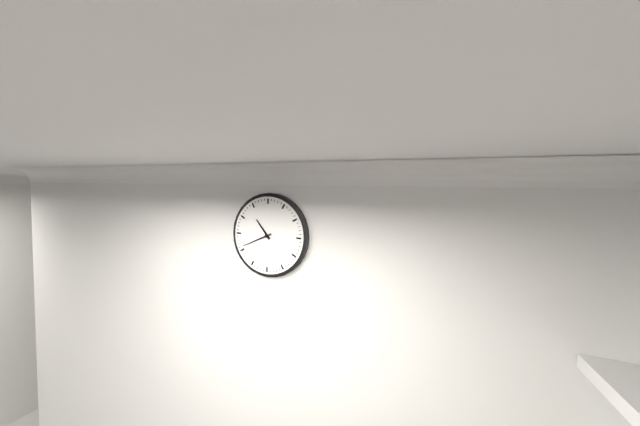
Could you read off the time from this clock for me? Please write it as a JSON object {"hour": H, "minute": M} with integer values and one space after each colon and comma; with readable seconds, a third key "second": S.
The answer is {"hour": 10, "minute": 41}
